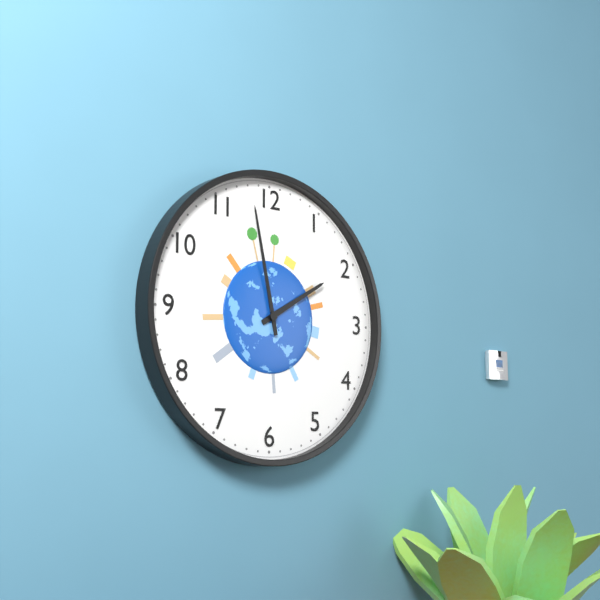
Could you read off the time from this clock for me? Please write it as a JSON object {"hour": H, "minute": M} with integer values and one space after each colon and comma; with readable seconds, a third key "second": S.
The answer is {"hour": 1, "minute": 58}
